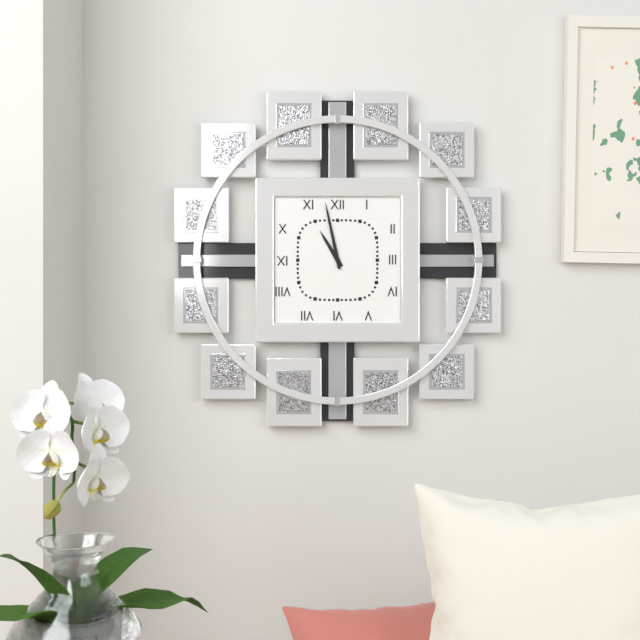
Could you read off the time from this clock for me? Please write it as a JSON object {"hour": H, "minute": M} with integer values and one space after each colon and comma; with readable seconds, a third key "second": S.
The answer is {"hour": 10, "minute": 58}
